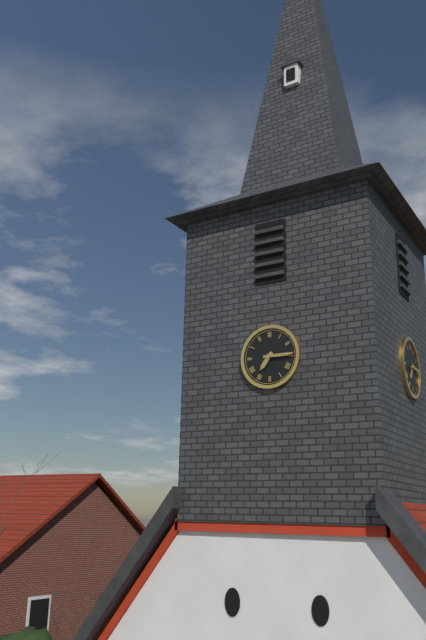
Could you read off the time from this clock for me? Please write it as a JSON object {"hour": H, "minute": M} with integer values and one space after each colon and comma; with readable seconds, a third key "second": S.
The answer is {"hour": 7, "minute": 15}
